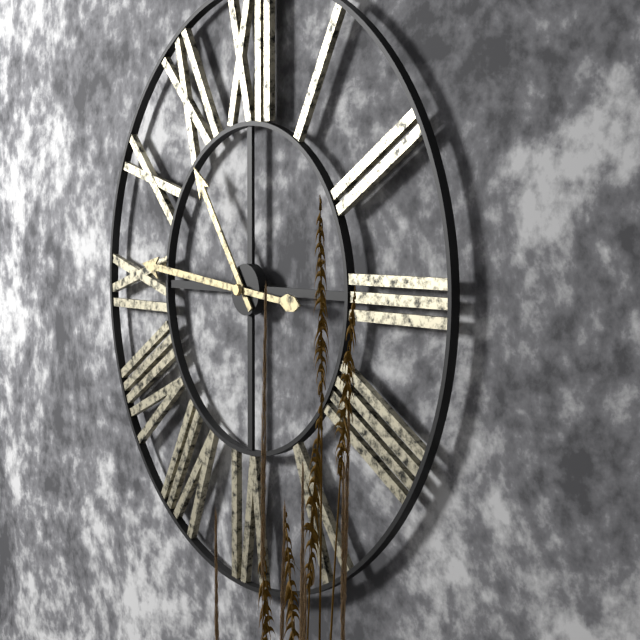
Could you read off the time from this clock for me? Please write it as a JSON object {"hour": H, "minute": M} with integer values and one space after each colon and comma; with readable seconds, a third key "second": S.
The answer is {"hour": 10, "minute": 46}
